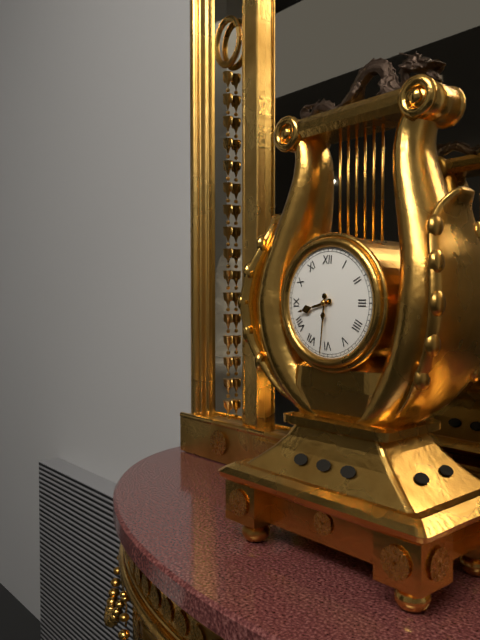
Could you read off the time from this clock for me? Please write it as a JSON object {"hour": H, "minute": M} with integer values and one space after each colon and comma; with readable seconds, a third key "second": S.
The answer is {"hour": 8, "minute": 31}
